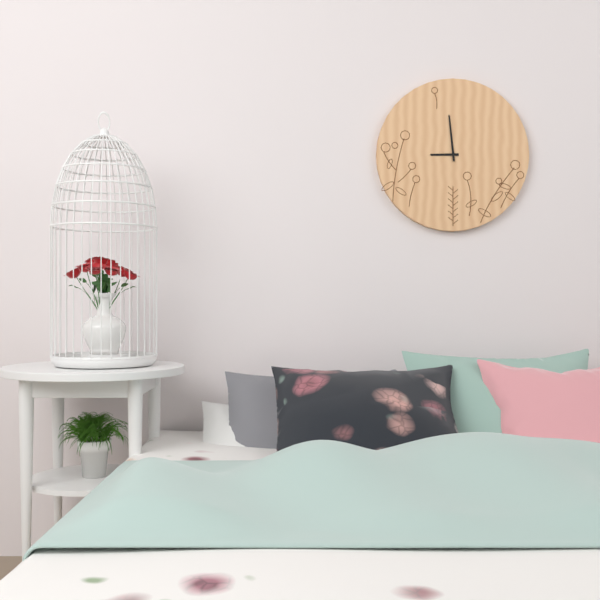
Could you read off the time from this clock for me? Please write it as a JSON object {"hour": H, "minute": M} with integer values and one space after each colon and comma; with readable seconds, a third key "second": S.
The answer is {"hour": 8, "minute": 59}
